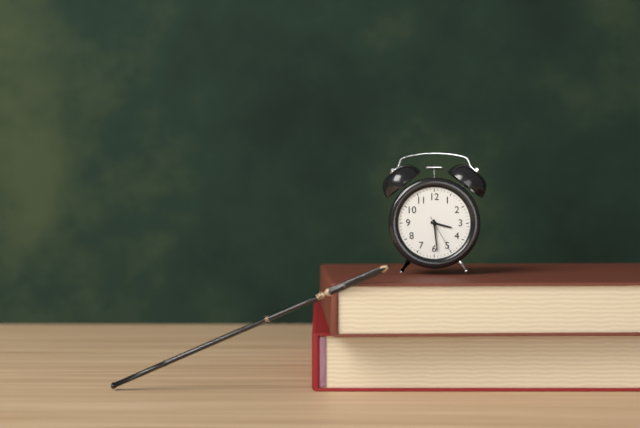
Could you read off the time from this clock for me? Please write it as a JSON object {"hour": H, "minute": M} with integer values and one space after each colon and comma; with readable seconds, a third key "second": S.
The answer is {"hour": 3, "minute": 29}
